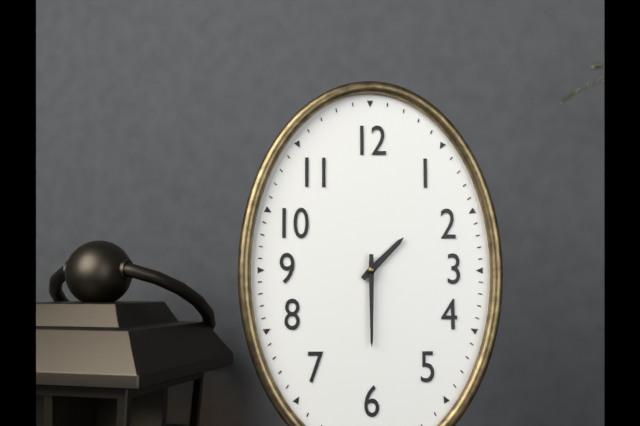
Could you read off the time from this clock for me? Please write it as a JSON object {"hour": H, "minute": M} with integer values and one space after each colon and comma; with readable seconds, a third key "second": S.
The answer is {"hour": 1, "minute": 30}
